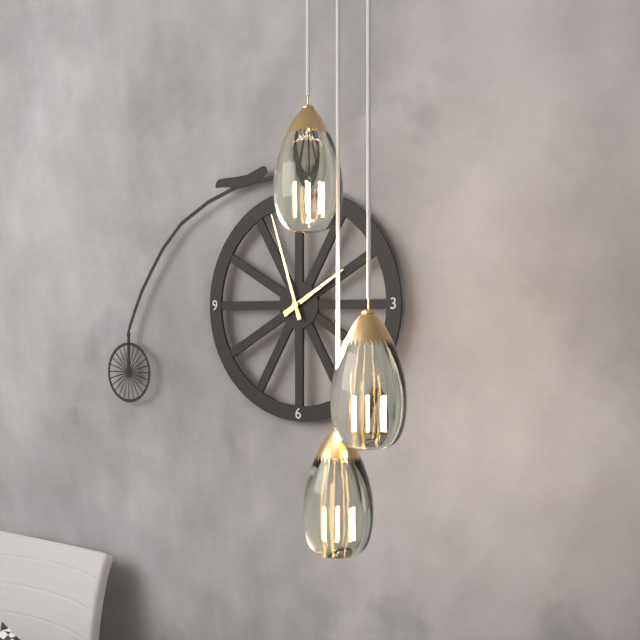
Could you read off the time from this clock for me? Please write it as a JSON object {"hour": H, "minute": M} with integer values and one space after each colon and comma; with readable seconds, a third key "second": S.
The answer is {"hour": 1, "minute": 57}
